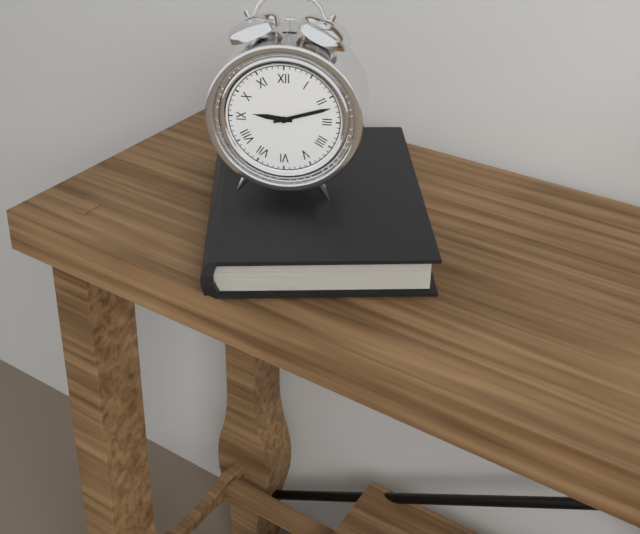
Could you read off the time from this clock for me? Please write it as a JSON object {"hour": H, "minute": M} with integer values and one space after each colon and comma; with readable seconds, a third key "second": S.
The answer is {"hour": 9, "minute": 12}
